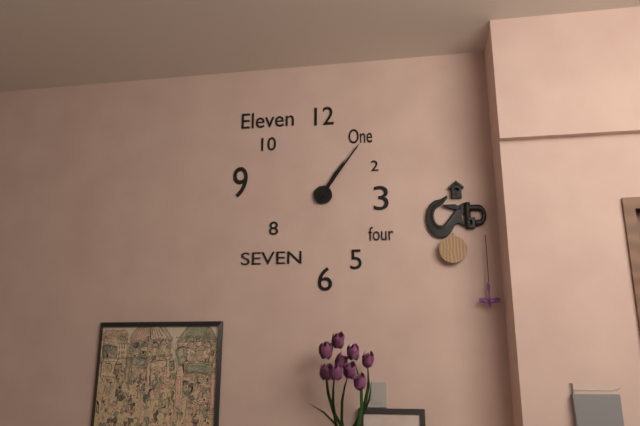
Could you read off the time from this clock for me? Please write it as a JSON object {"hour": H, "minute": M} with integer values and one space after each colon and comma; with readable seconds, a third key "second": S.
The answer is {"hour": 1, "minute": 6}
